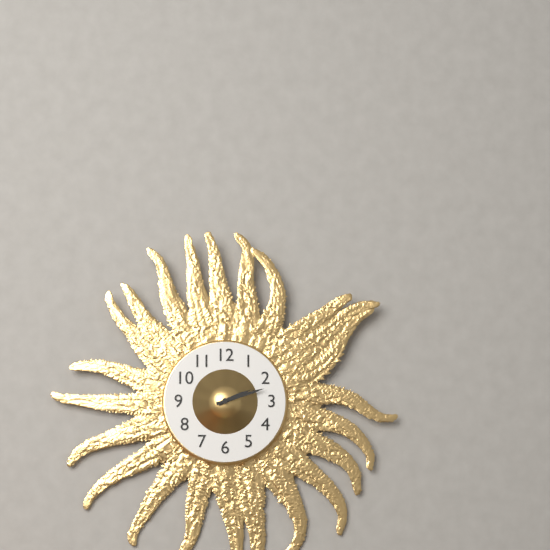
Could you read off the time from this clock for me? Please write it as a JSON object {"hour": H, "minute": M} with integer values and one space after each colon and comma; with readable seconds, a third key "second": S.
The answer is {"hour": 2, "minute": 12}
